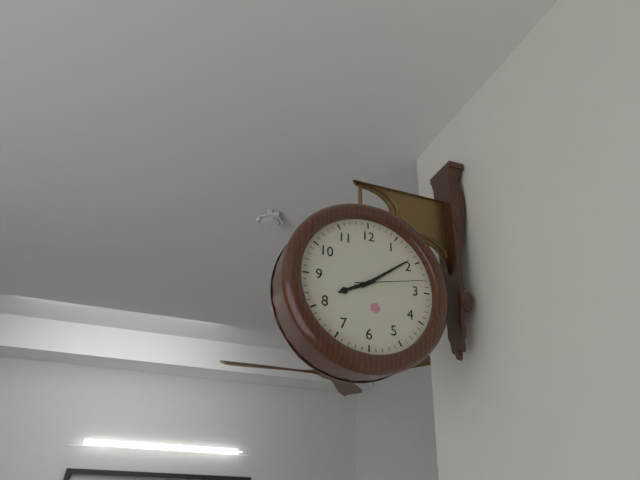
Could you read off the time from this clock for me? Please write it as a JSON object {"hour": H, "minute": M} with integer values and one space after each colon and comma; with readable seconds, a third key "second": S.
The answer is {"hour": 8, "minute": 9, "second": 13}
